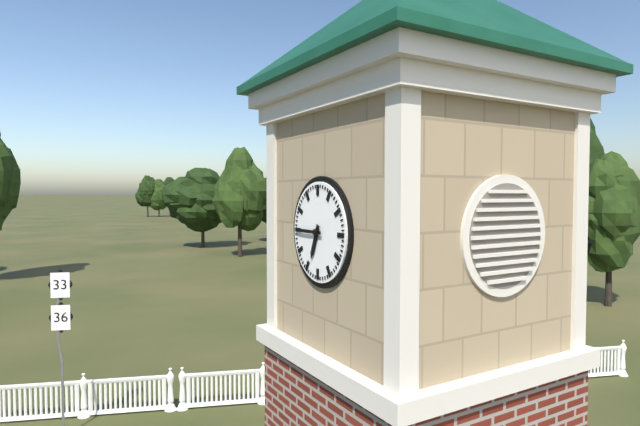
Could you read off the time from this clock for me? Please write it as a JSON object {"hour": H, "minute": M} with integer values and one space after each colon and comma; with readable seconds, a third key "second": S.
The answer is {"hour": 6, "minute": 45}
